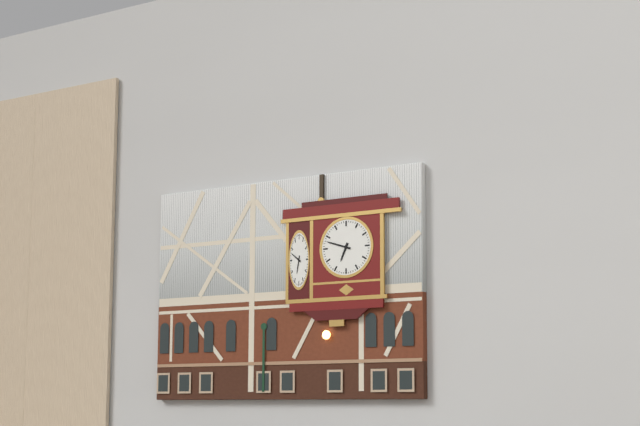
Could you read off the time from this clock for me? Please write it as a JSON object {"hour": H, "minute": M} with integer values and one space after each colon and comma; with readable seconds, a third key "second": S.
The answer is {"hour": 6, "minute": 48}
